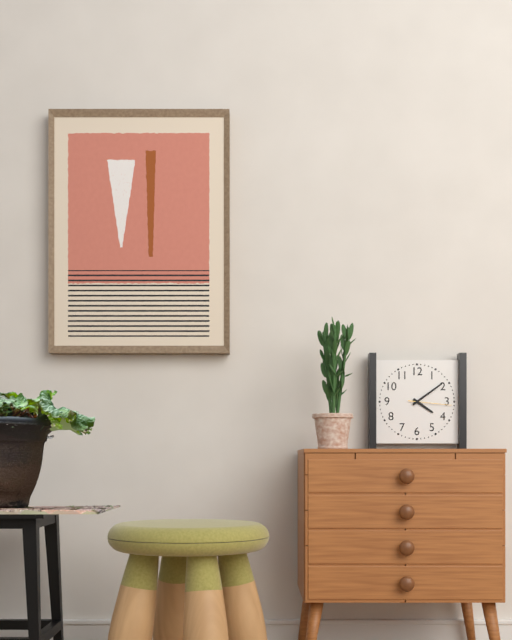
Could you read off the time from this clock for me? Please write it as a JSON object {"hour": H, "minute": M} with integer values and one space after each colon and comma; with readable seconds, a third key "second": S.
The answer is {"hour": 4, "minute": 9}
